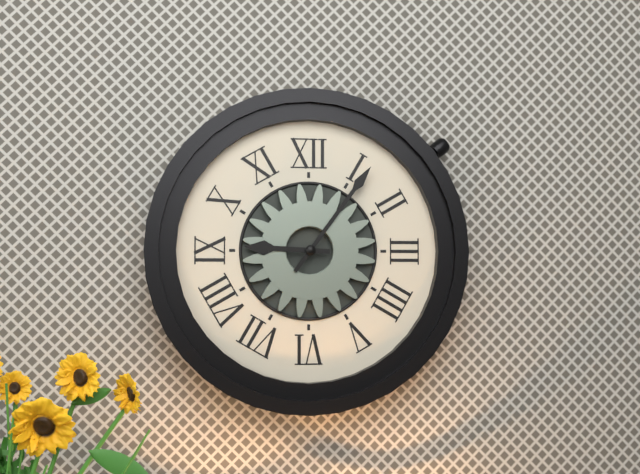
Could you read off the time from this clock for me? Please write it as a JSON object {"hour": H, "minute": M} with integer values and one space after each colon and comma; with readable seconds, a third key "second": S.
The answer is {"hour": 9, "minute": 6}
